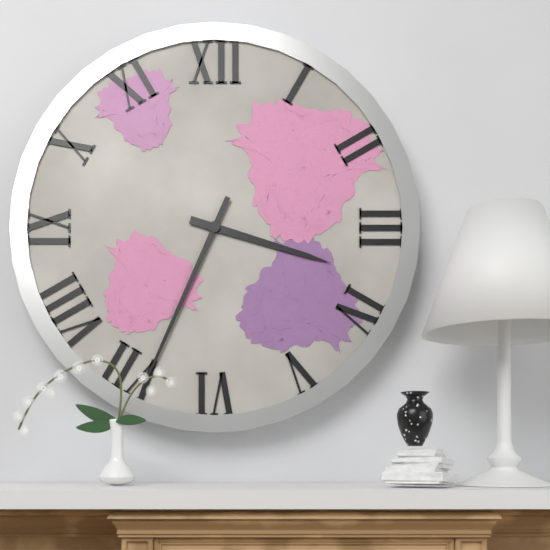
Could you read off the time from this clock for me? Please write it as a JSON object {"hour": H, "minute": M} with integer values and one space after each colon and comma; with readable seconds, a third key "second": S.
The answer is {"hour": 3, "minute": 34}
